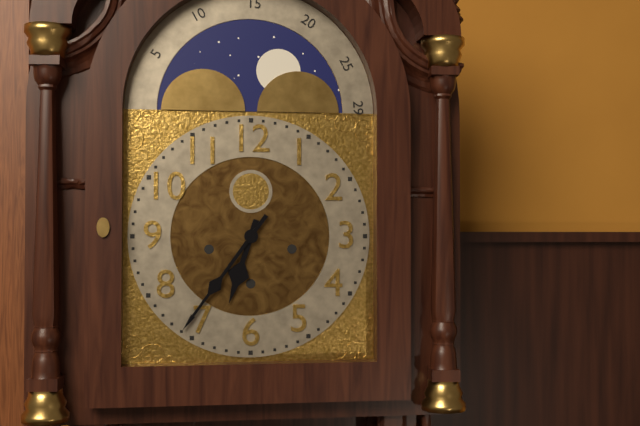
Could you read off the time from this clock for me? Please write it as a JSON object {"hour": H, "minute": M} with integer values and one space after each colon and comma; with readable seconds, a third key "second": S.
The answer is {"hour": 6, "minute": 36}
